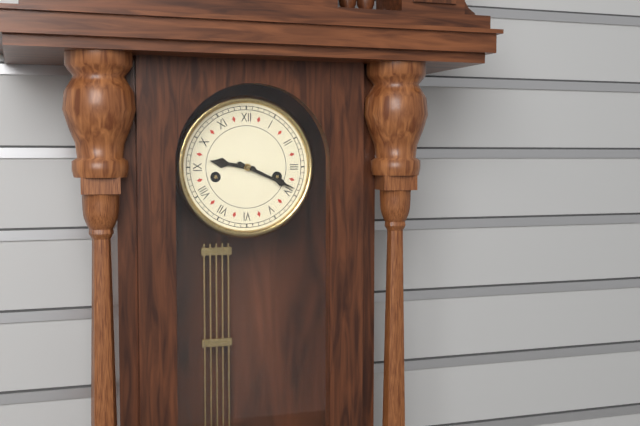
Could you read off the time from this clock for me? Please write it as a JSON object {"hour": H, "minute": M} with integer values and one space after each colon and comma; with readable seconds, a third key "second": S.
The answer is {"hour": 9, "minute": 19}
